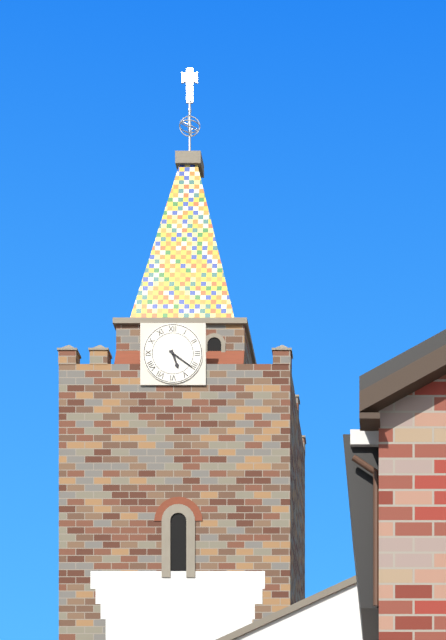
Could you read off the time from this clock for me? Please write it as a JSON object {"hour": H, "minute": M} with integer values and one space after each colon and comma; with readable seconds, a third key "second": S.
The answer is {"hour": 5, "minute": 21}
